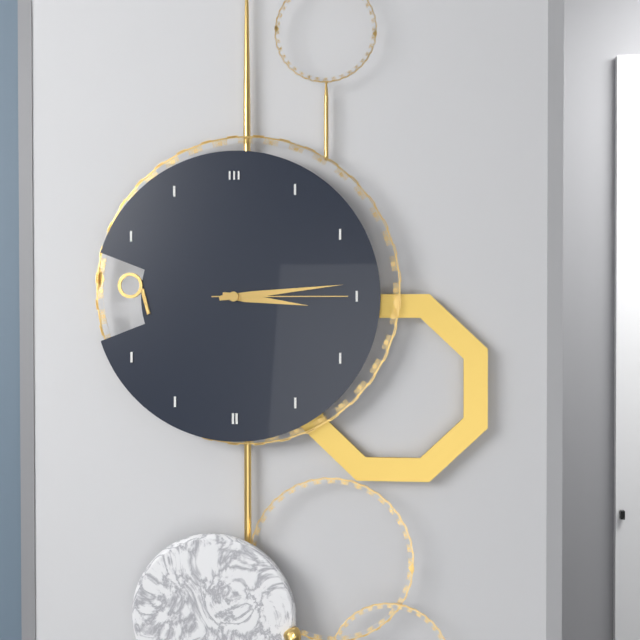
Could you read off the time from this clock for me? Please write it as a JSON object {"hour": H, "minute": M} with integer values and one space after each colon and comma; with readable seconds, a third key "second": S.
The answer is {"hour": 3, "minute": 14, "second": 15}
